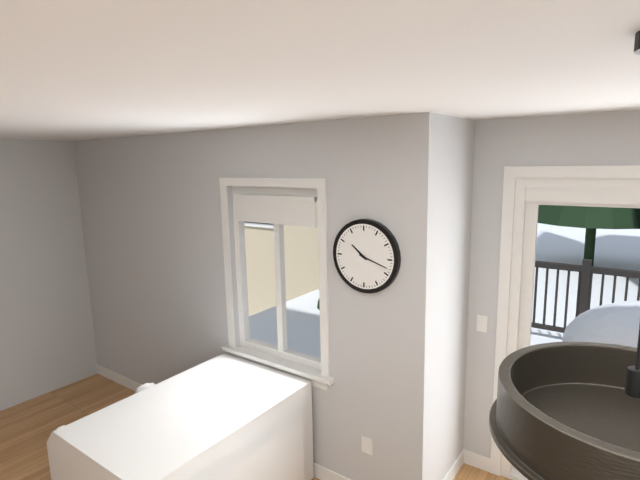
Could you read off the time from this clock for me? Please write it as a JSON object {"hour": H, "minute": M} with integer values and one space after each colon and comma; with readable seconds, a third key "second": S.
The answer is {"hour": 10, "minute": 18}
